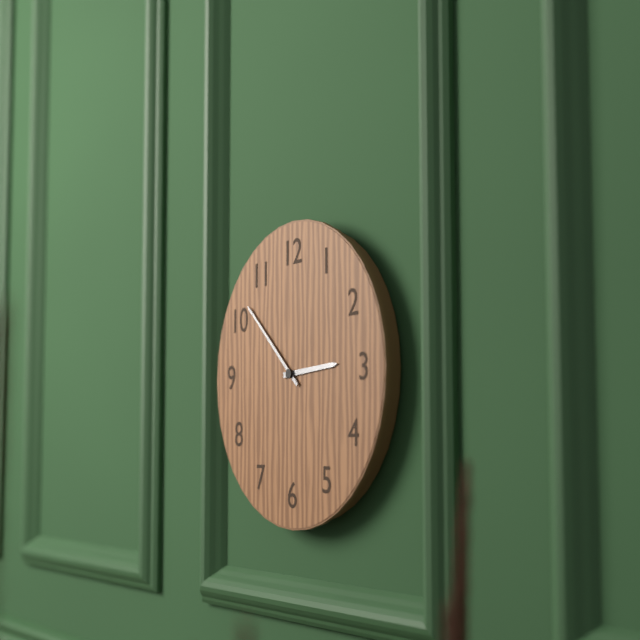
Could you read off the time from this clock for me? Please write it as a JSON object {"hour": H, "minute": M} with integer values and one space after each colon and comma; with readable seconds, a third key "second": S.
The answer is {"hour": 2, "minute": 52}
